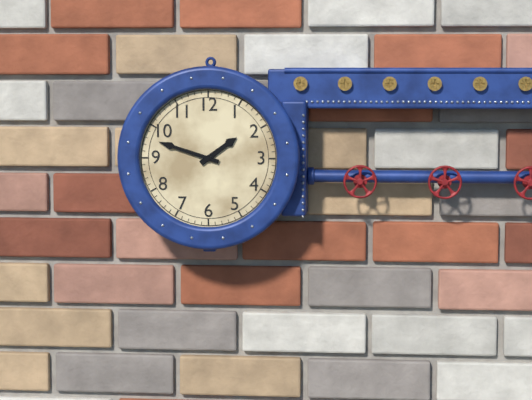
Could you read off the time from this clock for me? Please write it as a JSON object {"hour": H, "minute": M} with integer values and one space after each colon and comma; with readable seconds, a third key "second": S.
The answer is {"hour": 1, "minute": 48}
